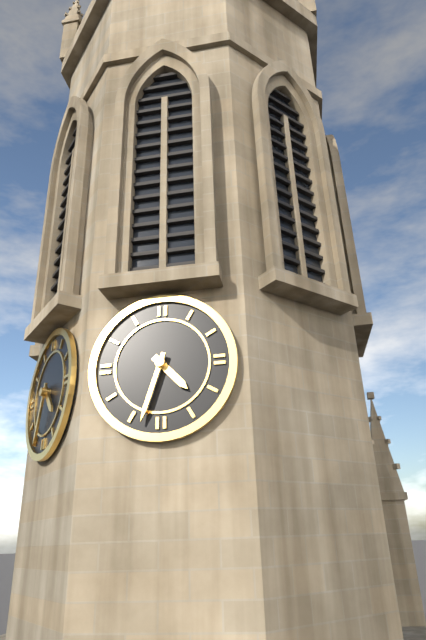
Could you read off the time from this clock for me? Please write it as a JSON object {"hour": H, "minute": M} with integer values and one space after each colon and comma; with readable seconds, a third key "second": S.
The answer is {"hour": 4, "minute": 33}
